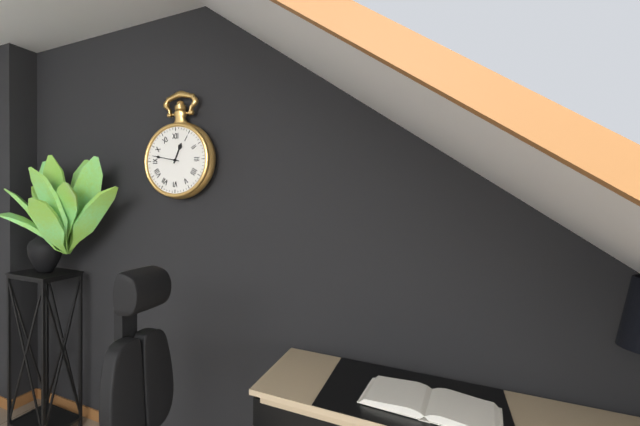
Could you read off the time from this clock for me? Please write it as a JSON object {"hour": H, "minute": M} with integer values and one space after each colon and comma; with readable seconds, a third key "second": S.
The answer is {"hour": 12, "minute": 47}
